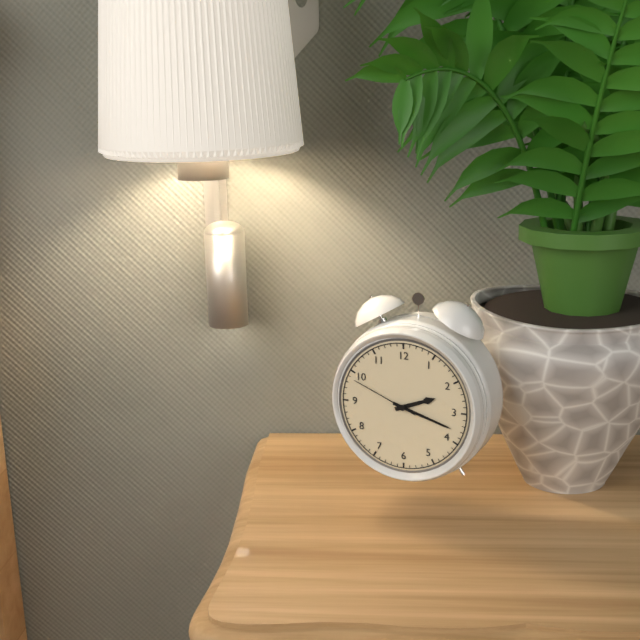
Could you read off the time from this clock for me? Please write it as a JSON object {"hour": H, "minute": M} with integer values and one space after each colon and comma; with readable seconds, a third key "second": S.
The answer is {"hour": 2, "minute": 18, "second": 49}
